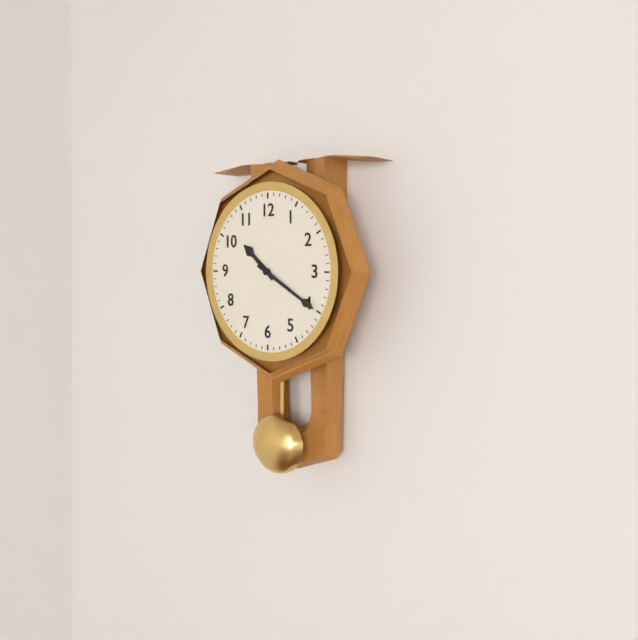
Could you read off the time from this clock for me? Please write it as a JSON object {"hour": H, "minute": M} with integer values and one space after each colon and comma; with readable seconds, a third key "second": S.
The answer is {"hour": 10, "minute": 20}
